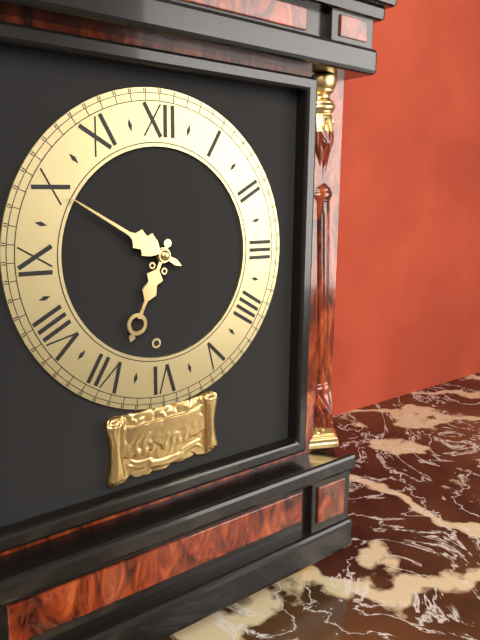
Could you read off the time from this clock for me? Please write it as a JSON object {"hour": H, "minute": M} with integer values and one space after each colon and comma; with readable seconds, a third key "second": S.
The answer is {"hour": 6, "minute": 50}
